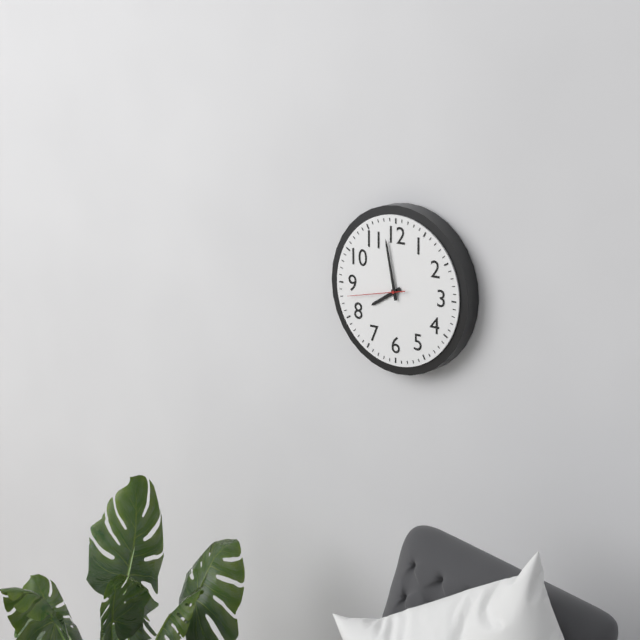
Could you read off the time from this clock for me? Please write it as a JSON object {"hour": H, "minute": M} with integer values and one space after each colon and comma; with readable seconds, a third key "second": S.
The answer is {"hour": 7, "minute": 58, "second": 43}
